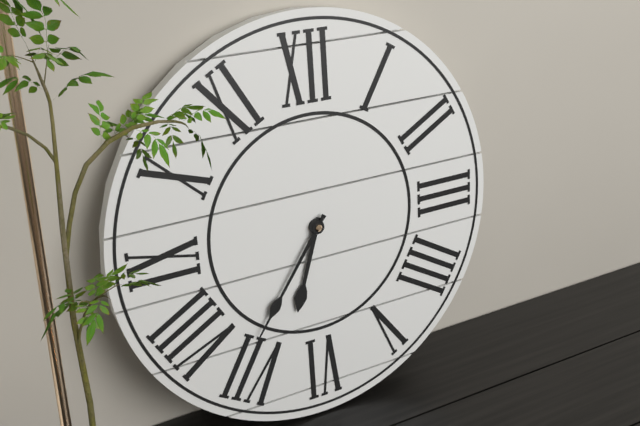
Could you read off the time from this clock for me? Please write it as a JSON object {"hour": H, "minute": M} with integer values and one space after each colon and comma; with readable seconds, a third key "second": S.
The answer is {"hour": 6, "minute": 36}
